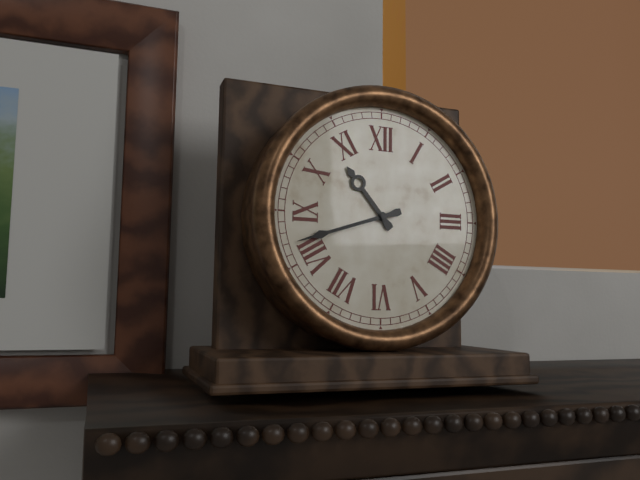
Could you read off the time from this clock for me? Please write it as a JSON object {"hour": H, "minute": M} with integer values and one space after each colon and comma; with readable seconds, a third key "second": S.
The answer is {"hour": 10, "minute": 42}
